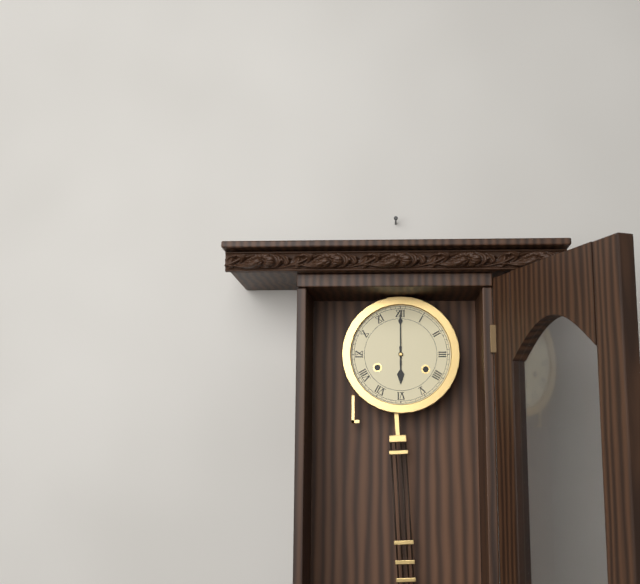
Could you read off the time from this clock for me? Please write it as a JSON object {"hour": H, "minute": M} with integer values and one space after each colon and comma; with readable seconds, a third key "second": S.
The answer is {"hour": 6, "minute": 0}
